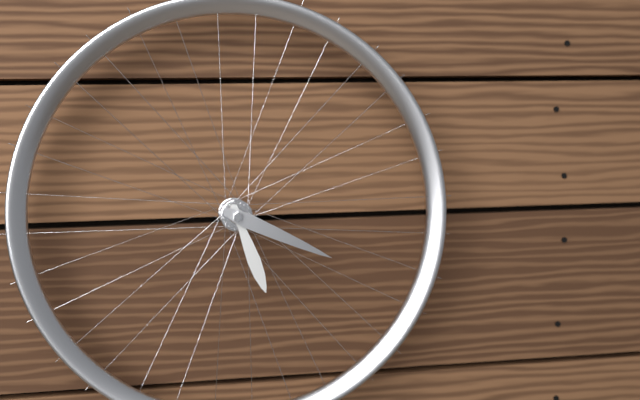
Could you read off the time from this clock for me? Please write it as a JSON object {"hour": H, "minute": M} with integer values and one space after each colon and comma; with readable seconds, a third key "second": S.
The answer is {"hour": 5, "minute": 19}
